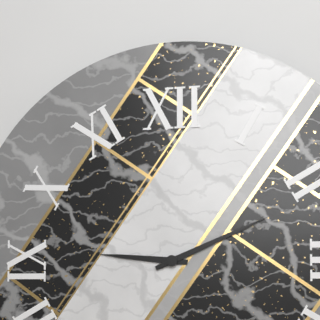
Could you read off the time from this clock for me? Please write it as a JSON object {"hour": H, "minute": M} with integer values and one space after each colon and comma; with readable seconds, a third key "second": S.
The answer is {"hour": 9, "minute": 11}
